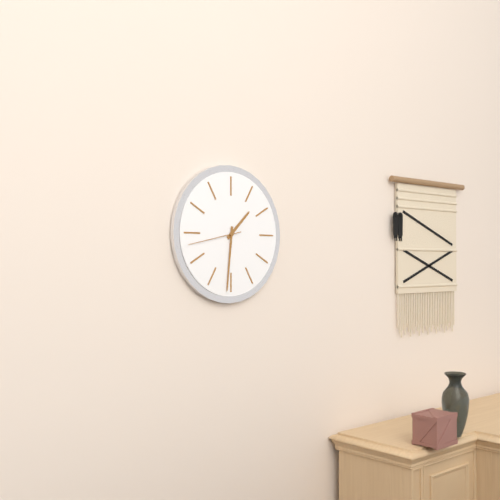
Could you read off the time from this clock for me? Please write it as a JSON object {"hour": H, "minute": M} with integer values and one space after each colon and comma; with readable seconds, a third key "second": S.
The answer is {"hour": 1, "minute": 31, "second": 43}
